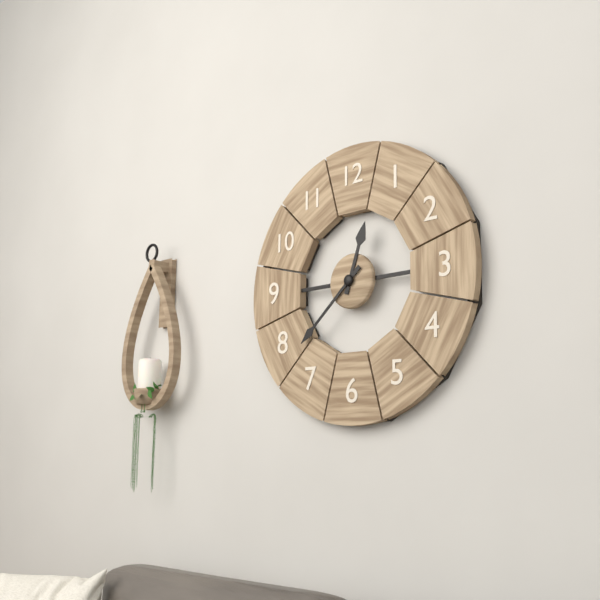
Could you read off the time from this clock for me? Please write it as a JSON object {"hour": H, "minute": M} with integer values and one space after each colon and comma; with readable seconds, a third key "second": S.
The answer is {"hour": 12, "minute": 38}
